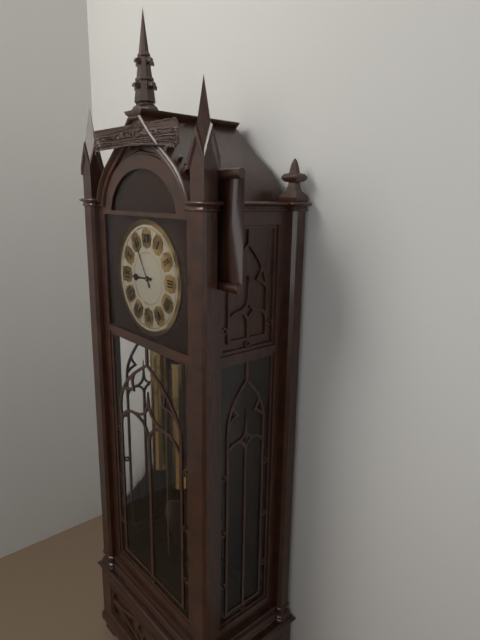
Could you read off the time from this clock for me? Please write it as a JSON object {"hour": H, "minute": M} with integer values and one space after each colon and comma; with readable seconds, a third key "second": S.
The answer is {"hour": 8, "minute": 55}
